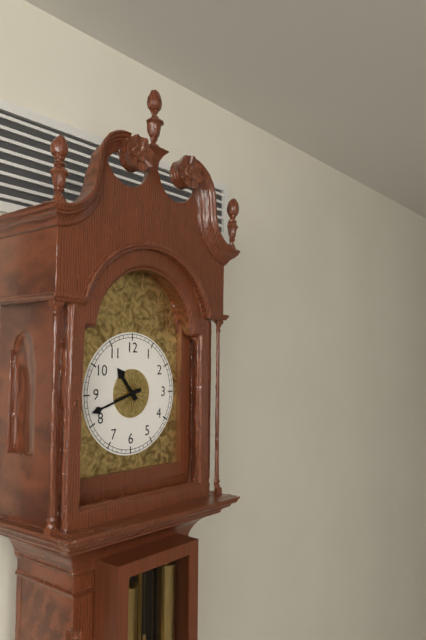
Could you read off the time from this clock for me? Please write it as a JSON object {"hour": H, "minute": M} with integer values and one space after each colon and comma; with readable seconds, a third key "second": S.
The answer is {"hour": 10, "minute": 42}
